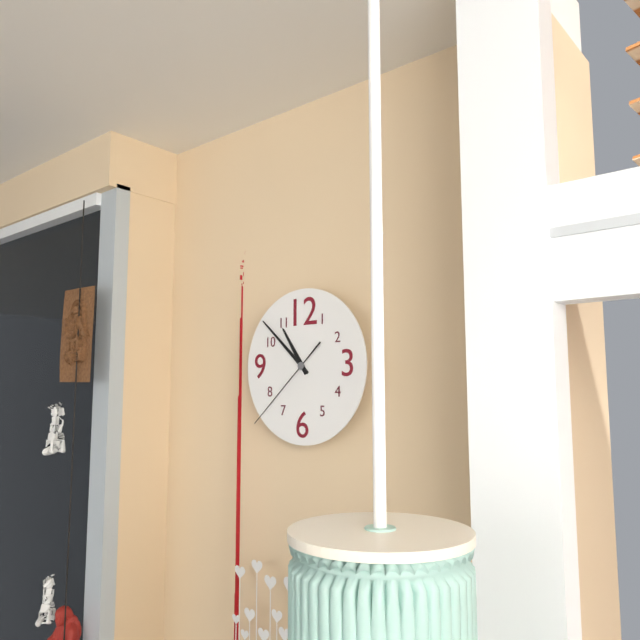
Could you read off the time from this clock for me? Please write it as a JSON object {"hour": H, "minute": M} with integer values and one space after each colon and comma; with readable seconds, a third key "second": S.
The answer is {"hour": 10, "minute": 52, "second": 38}
